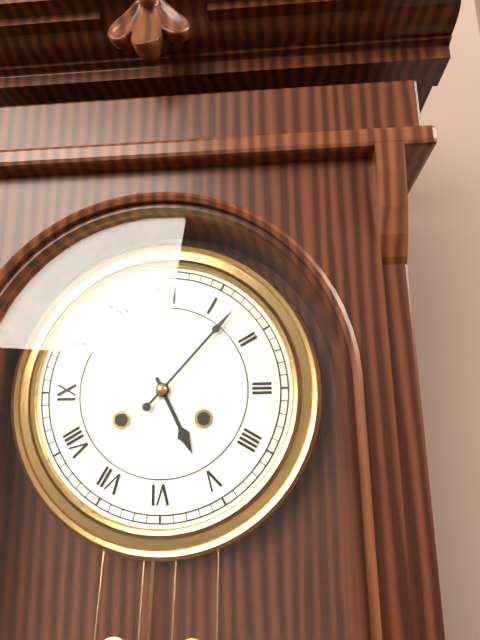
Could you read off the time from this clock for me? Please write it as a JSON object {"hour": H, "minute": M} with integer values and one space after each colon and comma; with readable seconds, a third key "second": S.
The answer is {"hour": 5, "minute": 7}
